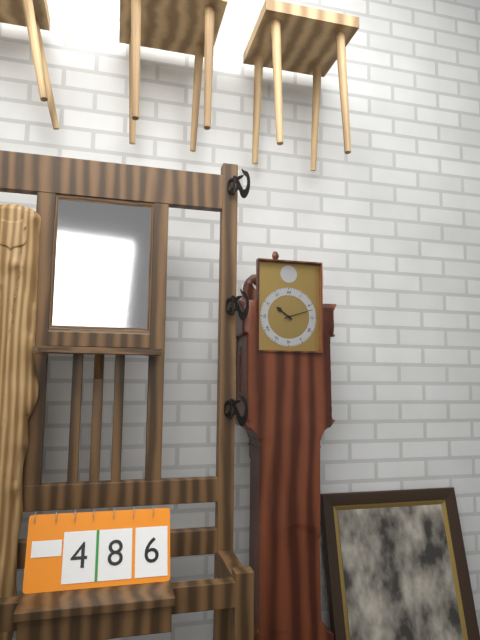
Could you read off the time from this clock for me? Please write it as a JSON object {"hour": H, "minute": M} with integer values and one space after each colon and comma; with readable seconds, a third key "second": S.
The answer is {"hour": 10, "minute": 12}
